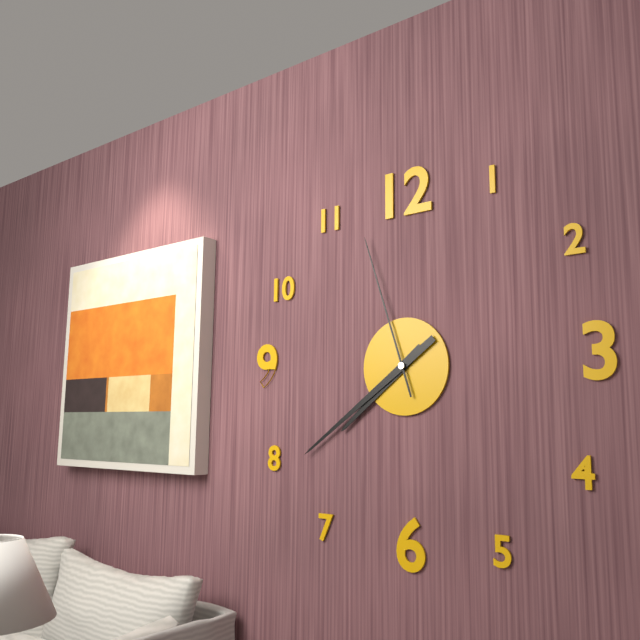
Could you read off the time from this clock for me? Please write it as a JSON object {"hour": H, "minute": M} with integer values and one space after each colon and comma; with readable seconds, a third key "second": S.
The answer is {"hour": 7, "minute": 39, "second": 57}
